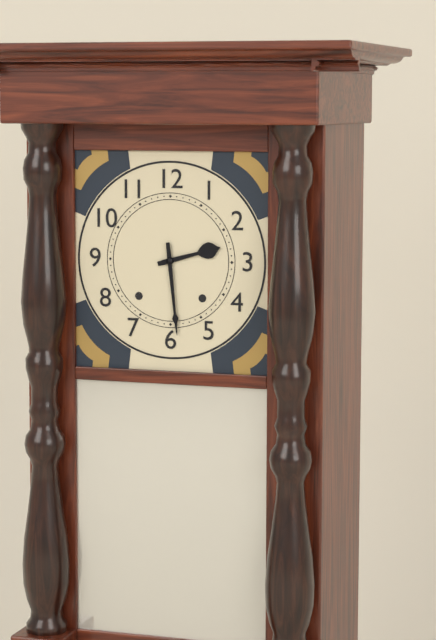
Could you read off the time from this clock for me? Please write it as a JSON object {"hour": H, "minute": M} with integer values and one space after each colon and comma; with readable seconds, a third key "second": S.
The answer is {"hour": 2, "minute": 29}
